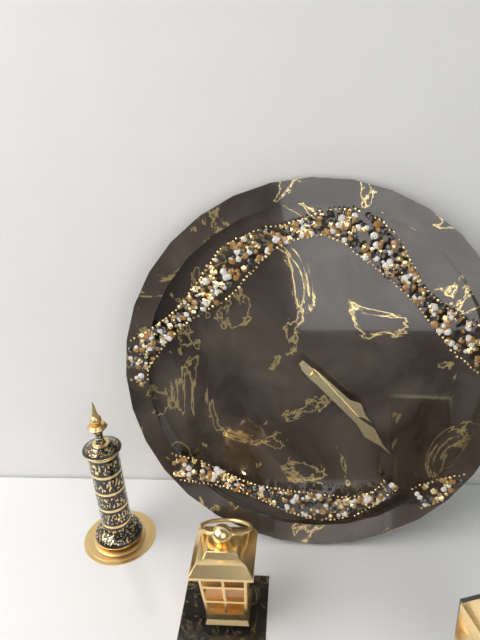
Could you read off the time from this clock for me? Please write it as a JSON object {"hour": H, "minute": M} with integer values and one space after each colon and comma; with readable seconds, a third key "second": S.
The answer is {"hour": 4, "minute": 23}
